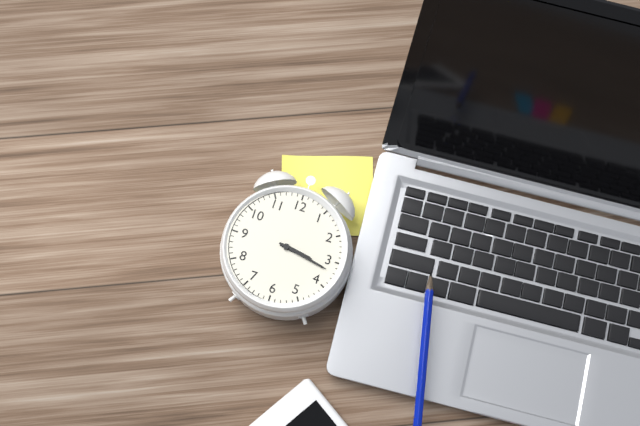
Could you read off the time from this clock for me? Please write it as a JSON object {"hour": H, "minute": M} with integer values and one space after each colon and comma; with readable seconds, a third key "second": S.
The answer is {"hour": 3, "minute": 17}
